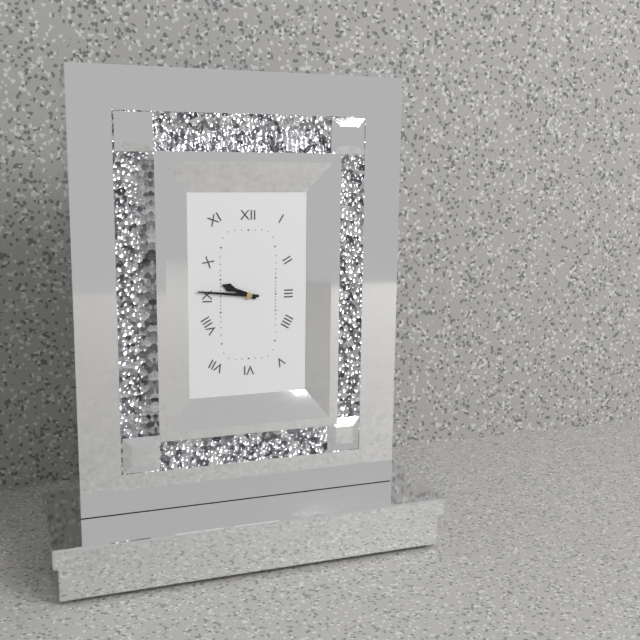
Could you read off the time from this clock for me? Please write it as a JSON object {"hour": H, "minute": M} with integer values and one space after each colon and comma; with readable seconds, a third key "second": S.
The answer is {"hour": 9, "minute": 46}
